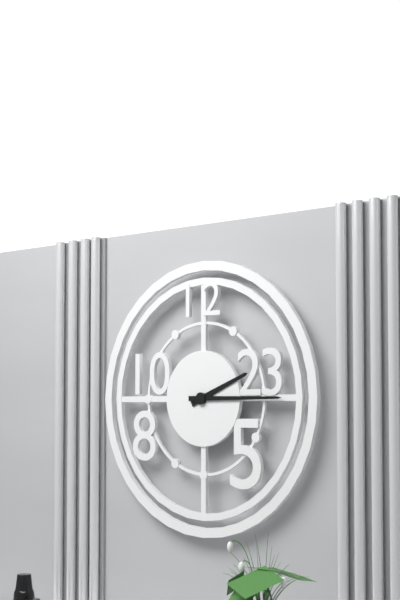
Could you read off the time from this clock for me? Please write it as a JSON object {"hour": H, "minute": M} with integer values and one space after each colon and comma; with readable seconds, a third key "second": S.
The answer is {"hour": 2, "minute": 15}
